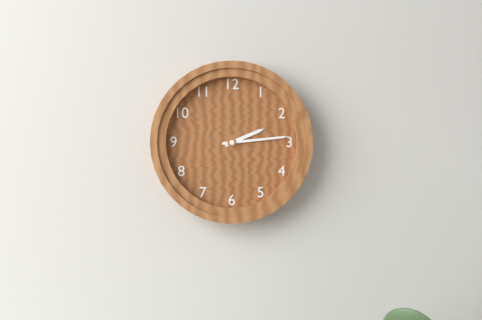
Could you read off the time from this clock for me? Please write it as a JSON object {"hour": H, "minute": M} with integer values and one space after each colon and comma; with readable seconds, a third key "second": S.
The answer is {"hour": 2, "minute": 14}
